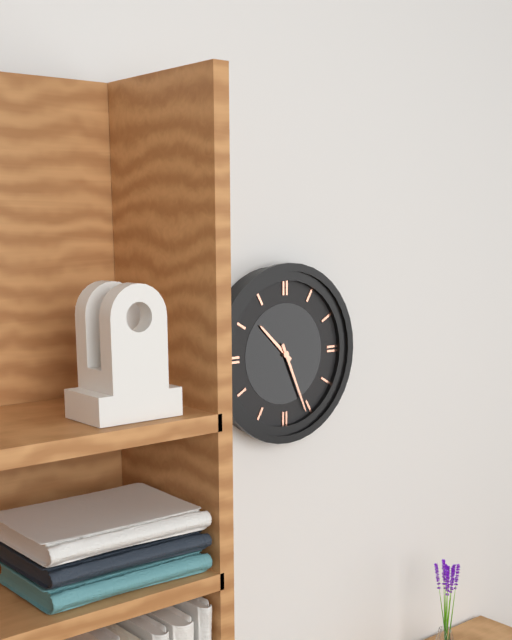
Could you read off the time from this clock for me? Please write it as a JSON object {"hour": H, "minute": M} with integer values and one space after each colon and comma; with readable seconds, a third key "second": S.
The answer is {"hour": 10, "minute": 26}
